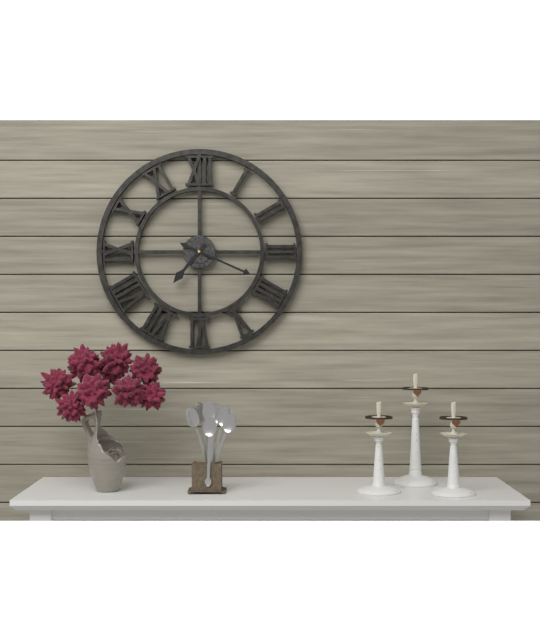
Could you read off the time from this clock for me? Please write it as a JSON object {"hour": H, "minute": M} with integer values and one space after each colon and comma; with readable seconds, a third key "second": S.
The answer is {"hour": 7, "minute": 19}
